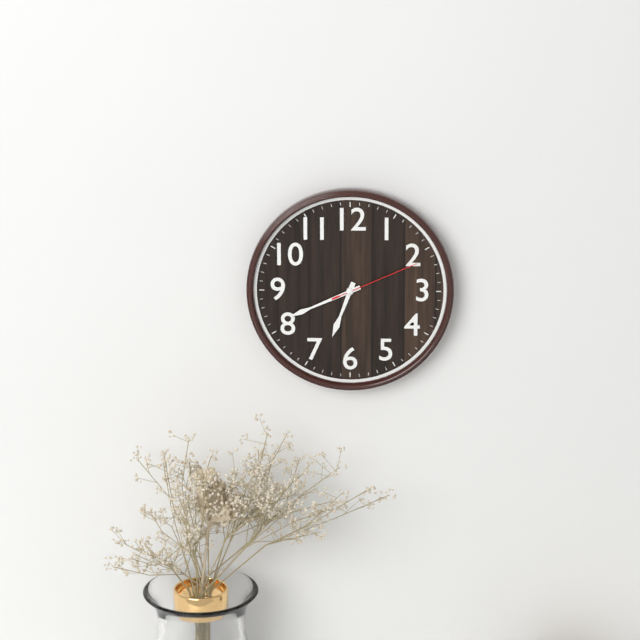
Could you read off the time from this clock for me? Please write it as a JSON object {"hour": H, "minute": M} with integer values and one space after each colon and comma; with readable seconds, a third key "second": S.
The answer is {"hour": 6, "minute": 41, "second": 11}
